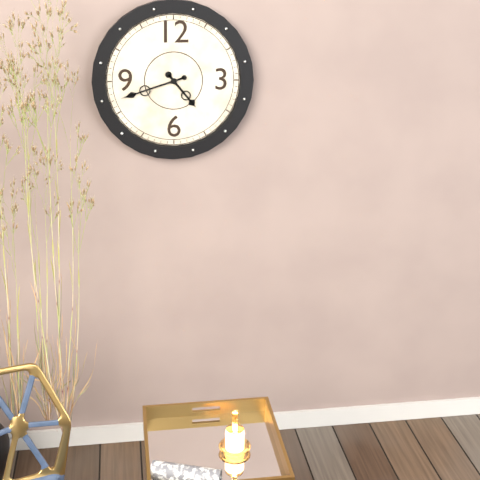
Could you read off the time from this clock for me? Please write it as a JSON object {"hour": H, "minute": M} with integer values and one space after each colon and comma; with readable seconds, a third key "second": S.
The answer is {"hour": 4, "minute": 42}
